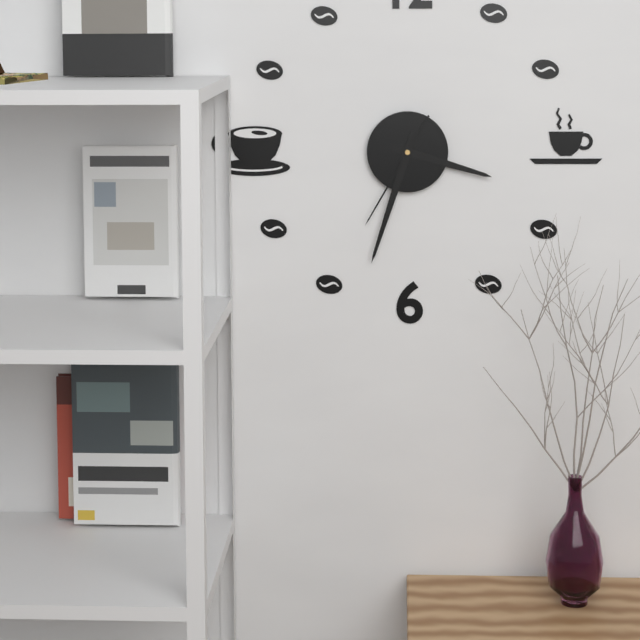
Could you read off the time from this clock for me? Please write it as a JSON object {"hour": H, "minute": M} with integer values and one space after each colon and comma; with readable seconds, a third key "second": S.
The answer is {"hour": 3, "minute": 33, "second": 35}
